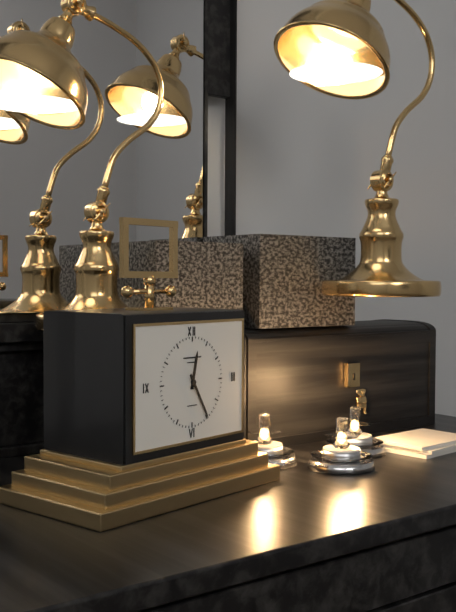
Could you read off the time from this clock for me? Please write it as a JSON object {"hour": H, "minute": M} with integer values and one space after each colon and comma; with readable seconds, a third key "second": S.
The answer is {"hour": 12, "minute": 25}
